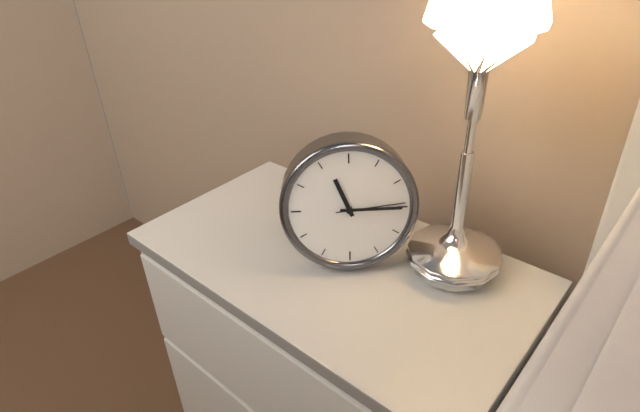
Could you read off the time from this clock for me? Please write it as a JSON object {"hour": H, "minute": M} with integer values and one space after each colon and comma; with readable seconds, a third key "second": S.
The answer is {"hour": 11, "minute": 15, "second": 14}
